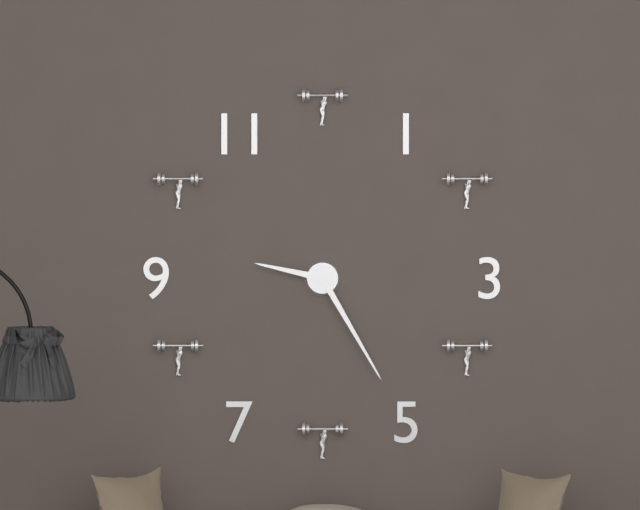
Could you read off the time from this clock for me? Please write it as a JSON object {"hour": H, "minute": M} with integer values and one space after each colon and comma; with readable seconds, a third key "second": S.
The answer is {"hour": 9, "minute": 25}
